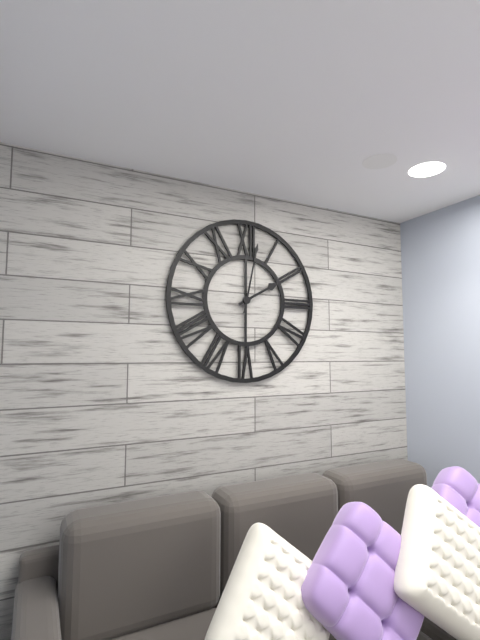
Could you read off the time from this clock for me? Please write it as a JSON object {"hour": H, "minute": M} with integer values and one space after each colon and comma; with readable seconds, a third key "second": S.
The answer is {"hour": 2, "minute": 2}
